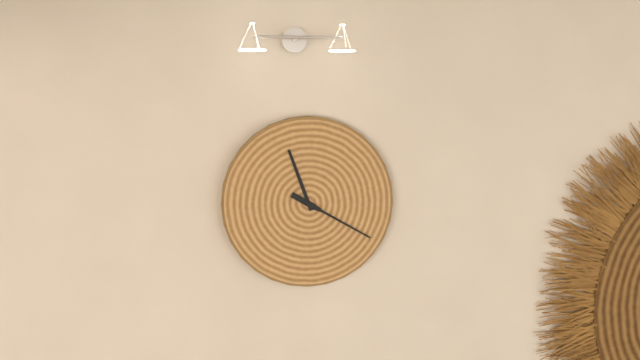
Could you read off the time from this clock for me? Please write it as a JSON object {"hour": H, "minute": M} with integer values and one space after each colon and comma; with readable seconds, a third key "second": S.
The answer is {"hour": 11, "minute": 20}
